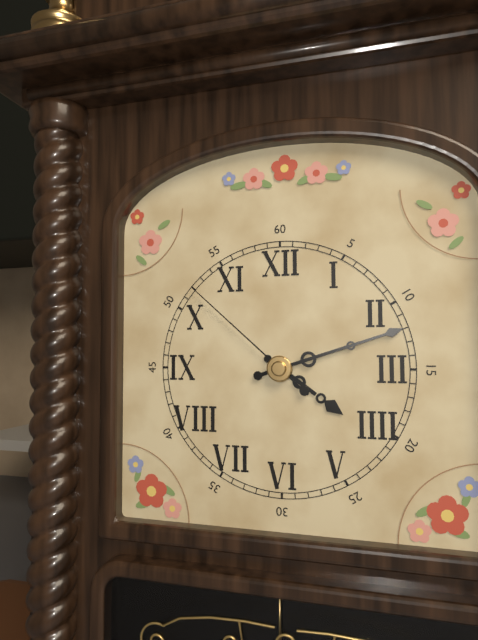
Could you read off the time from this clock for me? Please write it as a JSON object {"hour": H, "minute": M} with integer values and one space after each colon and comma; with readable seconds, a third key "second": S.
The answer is {"hour": 4, "minute": 12, "second": 52}
